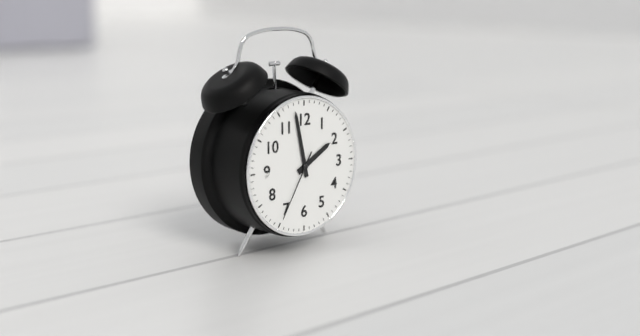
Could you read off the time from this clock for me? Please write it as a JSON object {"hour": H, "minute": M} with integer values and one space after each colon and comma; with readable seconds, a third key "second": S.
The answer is {"hour": 1, "minute": 58, "second": 35}
